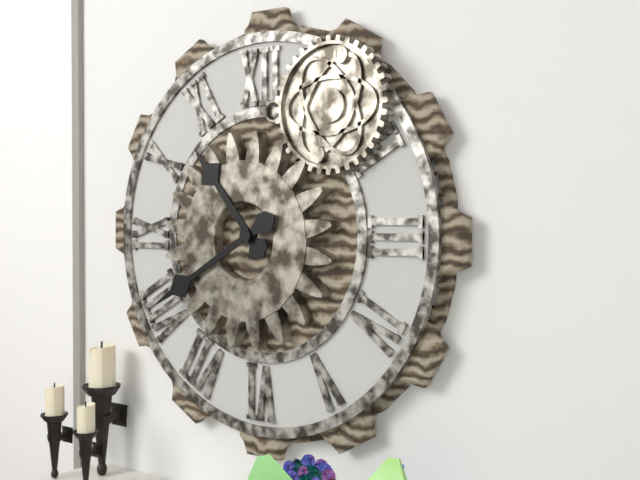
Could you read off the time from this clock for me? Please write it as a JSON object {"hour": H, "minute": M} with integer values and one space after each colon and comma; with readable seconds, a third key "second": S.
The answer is {"hour": 10, "minute": 40}
